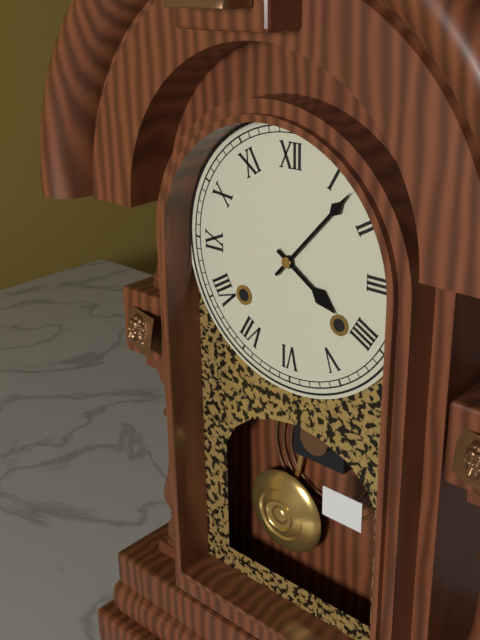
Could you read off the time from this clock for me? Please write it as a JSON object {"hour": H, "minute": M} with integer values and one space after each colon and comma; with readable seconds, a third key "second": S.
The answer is {"hour": 4, "minute": 7}
